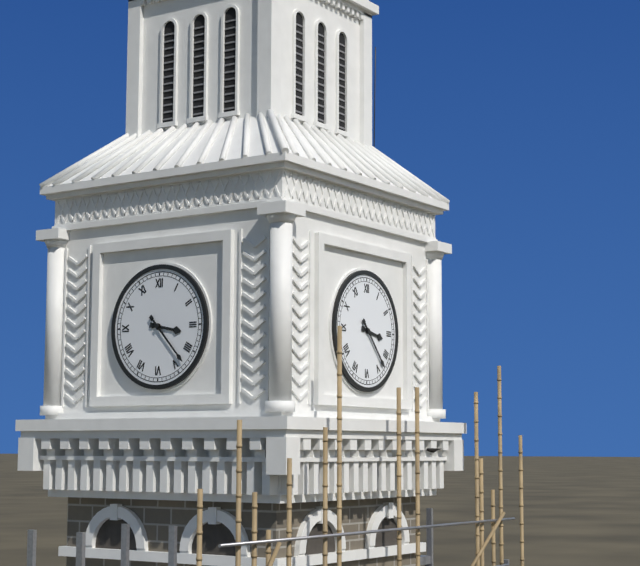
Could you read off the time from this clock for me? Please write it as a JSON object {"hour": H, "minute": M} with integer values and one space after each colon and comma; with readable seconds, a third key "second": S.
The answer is {"hour": 3, "minute": 23}
